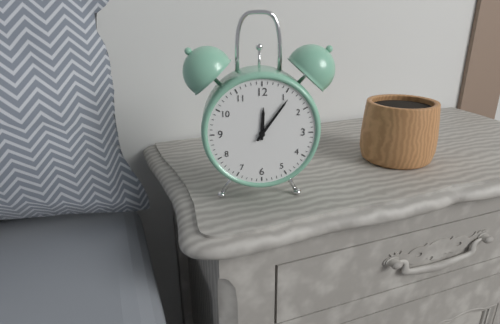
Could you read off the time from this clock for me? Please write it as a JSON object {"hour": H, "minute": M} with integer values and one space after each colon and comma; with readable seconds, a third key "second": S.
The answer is {"hour": 12, "minute": 6}
